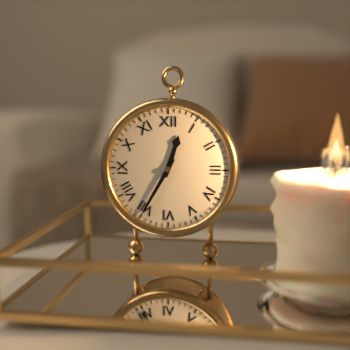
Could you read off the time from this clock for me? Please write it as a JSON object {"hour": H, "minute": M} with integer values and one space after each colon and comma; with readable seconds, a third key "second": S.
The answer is {"hour": 12, "minute": 35}
